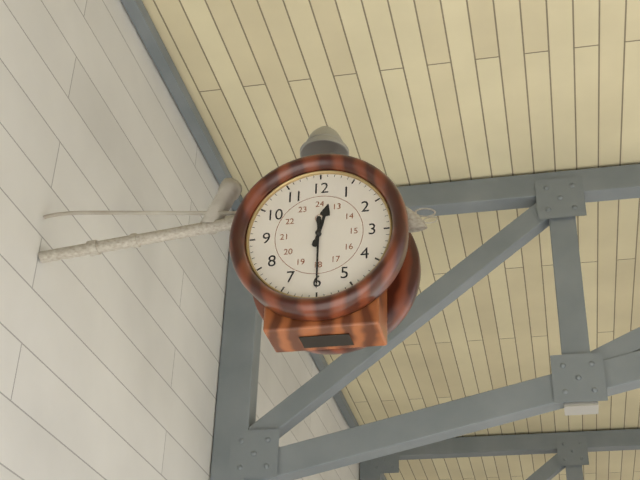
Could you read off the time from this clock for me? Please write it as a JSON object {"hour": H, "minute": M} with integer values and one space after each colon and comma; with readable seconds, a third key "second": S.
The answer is {"hour": 12, "minute": 30}
